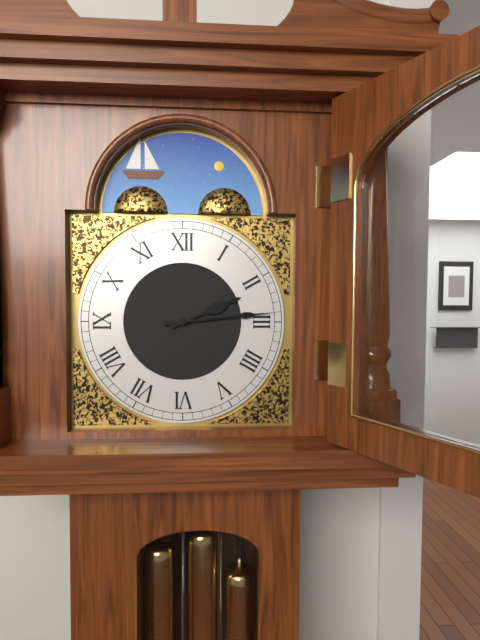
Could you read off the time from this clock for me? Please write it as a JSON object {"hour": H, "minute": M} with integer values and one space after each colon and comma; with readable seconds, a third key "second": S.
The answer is {"hour": 2, "minute": 14}
